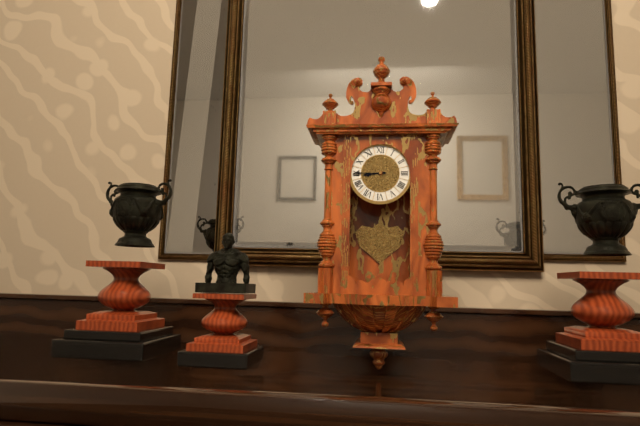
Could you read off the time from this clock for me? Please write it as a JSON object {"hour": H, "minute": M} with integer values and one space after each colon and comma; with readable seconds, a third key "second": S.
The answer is {"hour": 8, "minute": 45}
